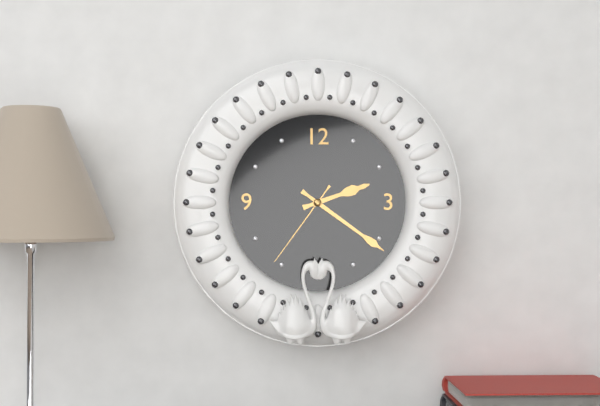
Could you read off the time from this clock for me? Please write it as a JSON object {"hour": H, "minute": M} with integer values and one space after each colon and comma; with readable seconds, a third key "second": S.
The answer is {"hour": 2, "minute": 21, "second": 36}
